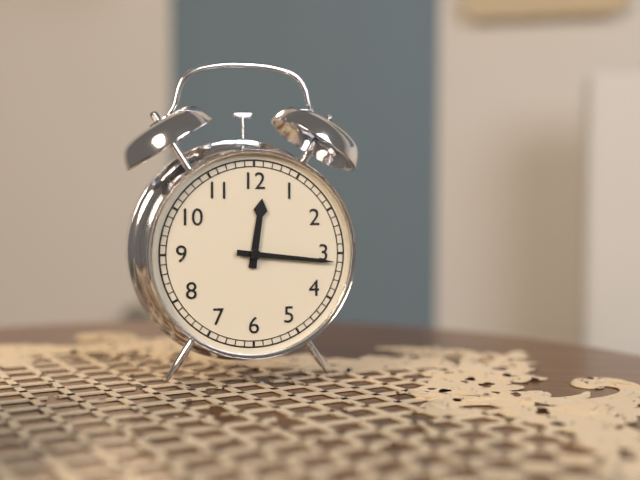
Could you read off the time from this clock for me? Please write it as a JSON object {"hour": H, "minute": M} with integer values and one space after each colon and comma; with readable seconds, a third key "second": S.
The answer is {"hour": 12, "minute": 16}
